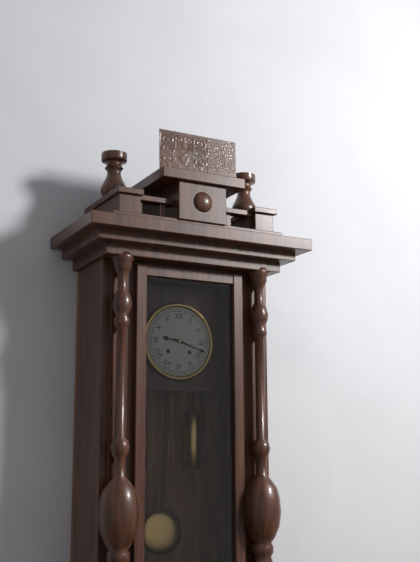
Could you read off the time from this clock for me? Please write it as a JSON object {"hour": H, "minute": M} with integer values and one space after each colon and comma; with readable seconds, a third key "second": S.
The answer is {"hour": 9, "minute": 18}
